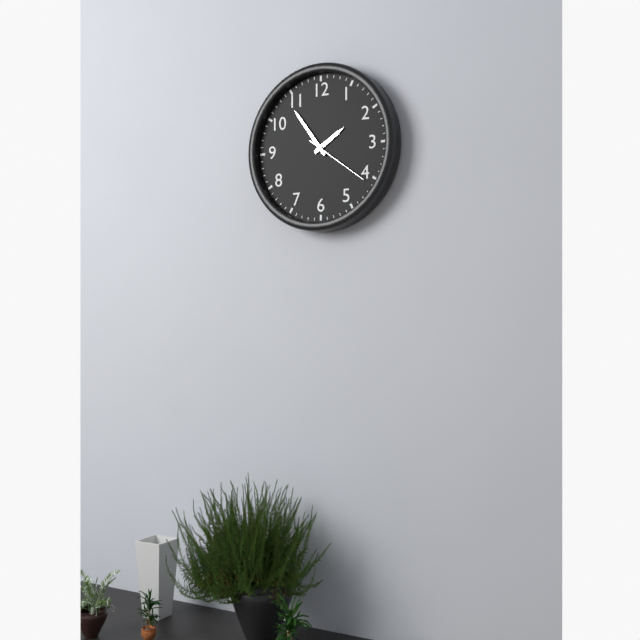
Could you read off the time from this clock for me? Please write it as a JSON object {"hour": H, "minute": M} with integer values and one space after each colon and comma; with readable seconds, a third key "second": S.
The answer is {"hour": 1, "minute": 54, "second": 21}
